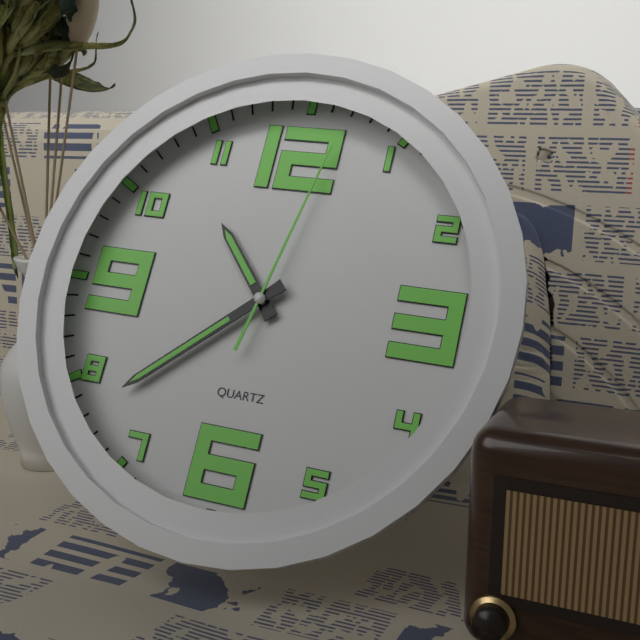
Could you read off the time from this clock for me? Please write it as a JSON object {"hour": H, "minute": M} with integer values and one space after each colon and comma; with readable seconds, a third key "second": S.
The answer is {"hour": 10, "minute": 38, "second": 2}
